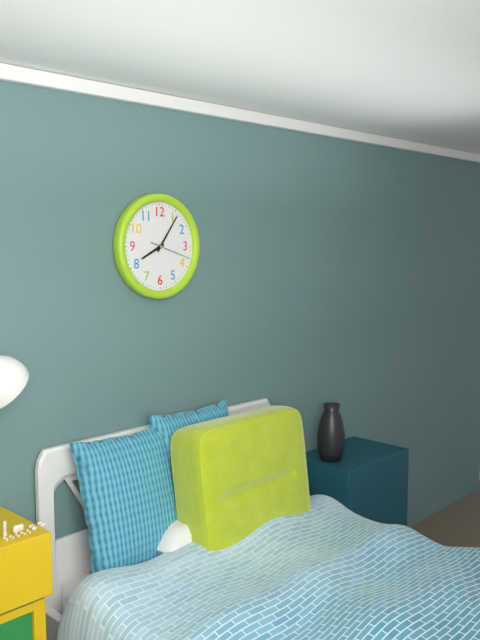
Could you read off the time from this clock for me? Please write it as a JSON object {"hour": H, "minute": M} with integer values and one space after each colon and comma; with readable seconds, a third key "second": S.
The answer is {"hour": 8, "minute": 6}
